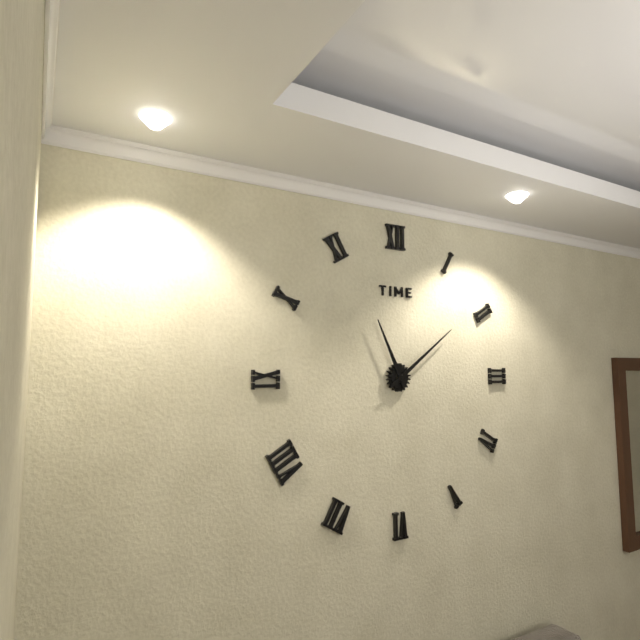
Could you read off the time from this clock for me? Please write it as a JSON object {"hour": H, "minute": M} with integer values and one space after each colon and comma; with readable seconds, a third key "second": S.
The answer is {"hour": 11, "minute": 9}
